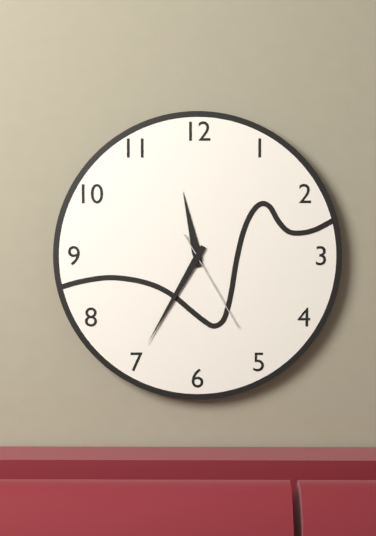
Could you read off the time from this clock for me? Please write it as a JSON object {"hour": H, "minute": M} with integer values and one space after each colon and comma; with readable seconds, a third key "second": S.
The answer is {"hour": 11, "minute": 35, "second": 25}
